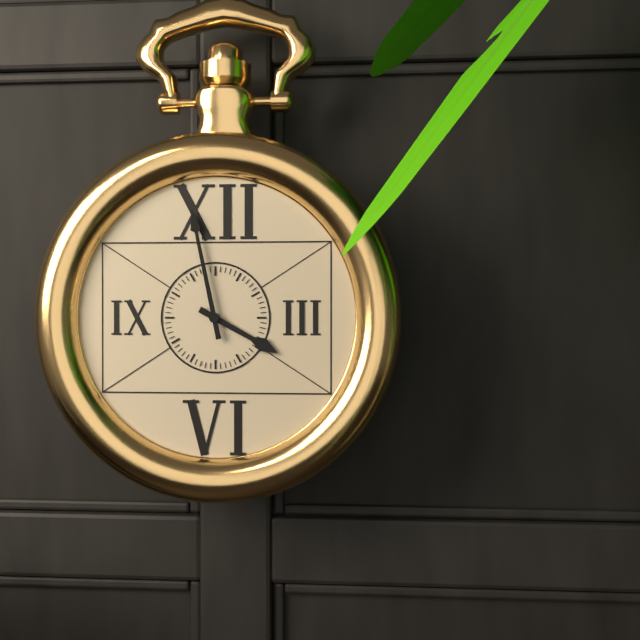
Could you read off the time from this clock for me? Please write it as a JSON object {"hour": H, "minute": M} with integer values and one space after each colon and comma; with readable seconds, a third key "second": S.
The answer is {"hour": 3, "minute": 58}
